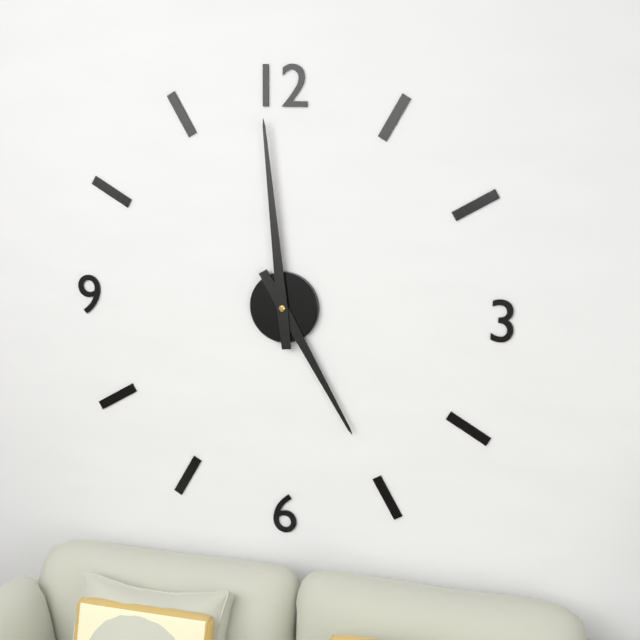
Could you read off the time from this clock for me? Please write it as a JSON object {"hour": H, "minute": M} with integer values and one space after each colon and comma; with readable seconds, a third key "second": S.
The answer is {"hour": 4, "minute": 59}
